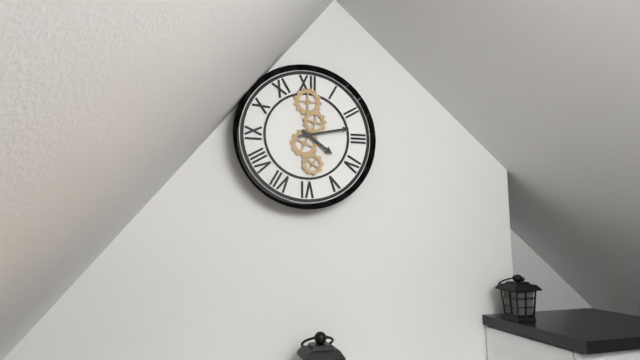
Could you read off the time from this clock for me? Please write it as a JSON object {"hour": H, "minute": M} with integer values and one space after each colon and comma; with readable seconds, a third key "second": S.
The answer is {"hour": 4, "minute": 13}
